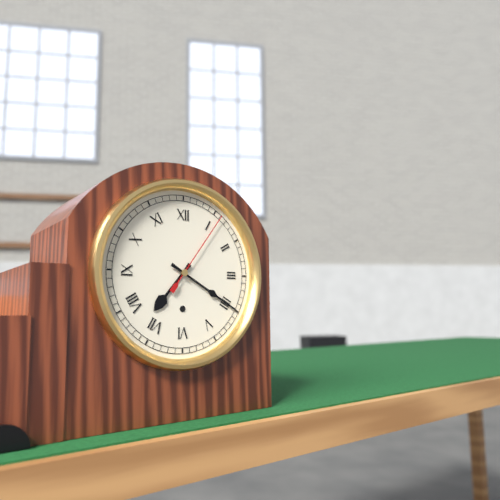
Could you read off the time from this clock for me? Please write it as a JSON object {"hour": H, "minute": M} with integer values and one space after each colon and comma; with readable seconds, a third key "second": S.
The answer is {"hour": 7, "minute": 20, "second": 6}
